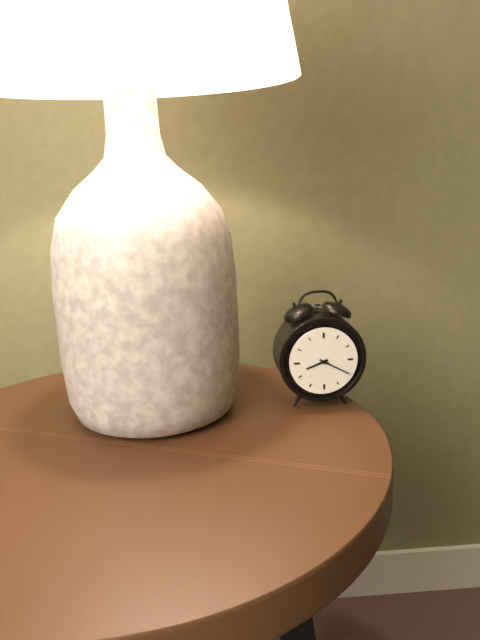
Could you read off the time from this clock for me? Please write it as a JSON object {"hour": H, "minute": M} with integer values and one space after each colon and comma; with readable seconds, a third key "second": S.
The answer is {"hour": 8, "minute": 20}
